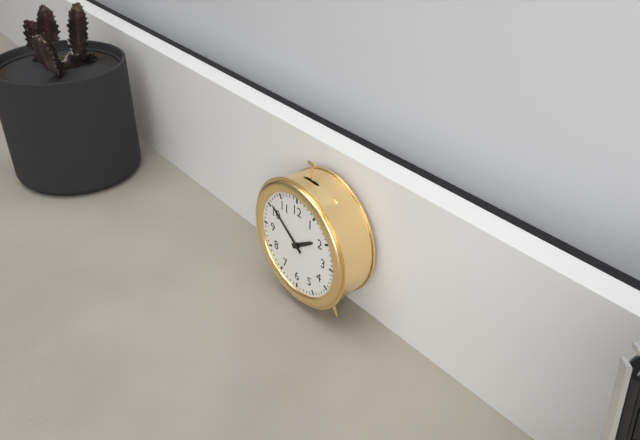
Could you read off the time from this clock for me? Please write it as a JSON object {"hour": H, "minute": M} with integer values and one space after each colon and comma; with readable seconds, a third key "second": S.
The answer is {"hour": 1, "minute": 51}
